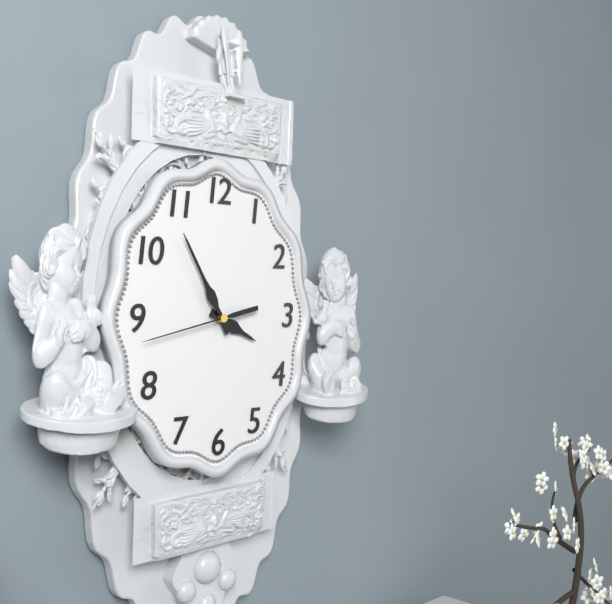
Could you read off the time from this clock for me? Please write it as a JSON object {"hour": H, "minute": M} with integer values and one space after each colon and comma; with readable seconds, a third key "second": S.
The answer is {"hour": 3, "minute": 55, "second": 43}
